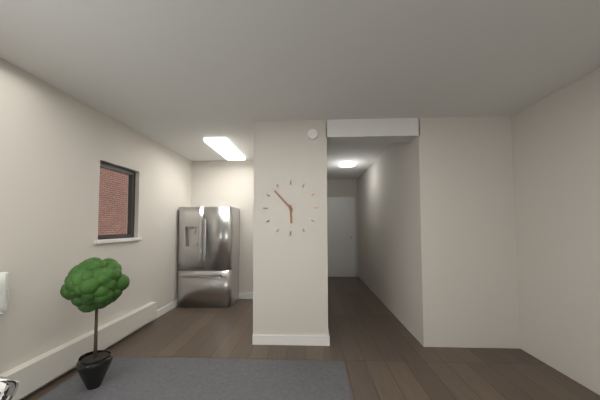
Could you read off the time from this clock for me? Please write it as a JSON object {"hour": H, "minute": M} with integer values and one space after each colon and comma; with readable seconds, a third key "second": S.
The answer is {"hour": 5, "minute": 53}
